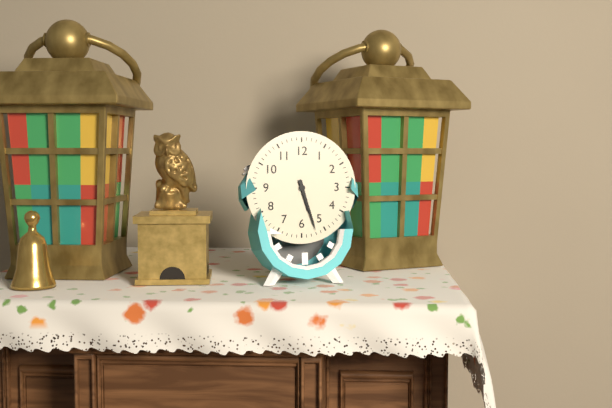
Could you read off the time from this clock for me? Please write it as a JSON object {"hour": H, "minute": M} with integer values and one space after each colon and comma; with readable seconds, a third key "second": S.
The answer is {"hour": 5, "minute": 27}
